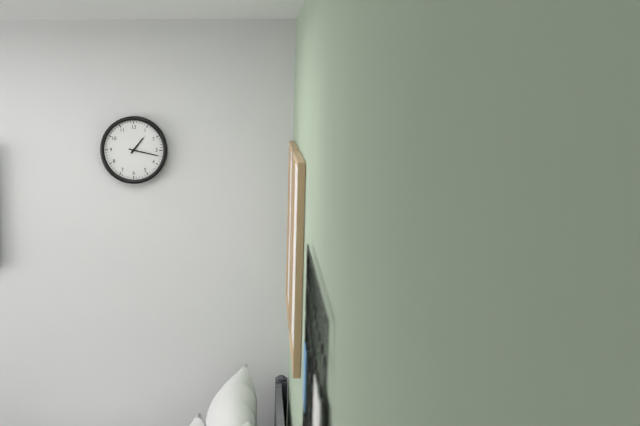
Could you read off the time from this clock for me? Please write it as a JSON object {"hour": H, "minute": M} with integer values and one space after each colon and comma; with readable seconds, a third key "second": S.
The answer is {"hour": 1, "minute": 17}
